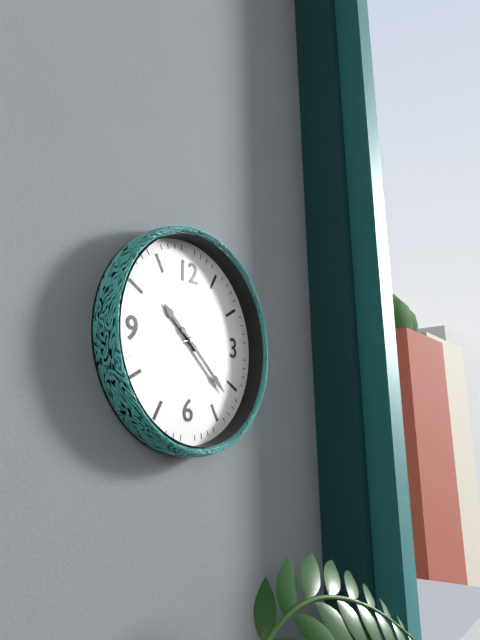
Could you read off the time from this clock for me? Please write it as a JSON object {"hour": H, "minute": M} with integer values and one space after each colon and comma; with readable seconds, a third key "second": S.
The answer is {"hour": 10, "minute": 22, "second": 42}
